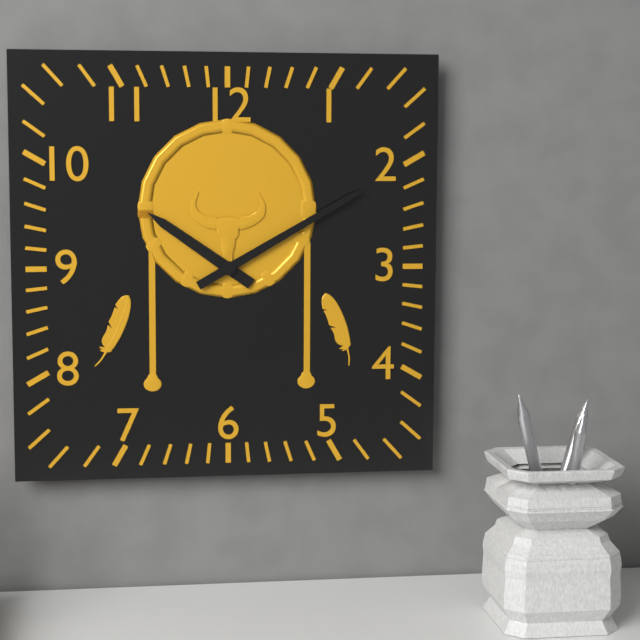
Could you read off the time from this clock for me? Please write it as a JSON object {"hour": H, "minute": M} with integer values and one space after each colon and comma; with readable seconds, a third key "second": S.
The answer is {"hour": 10, "minute": 10}
